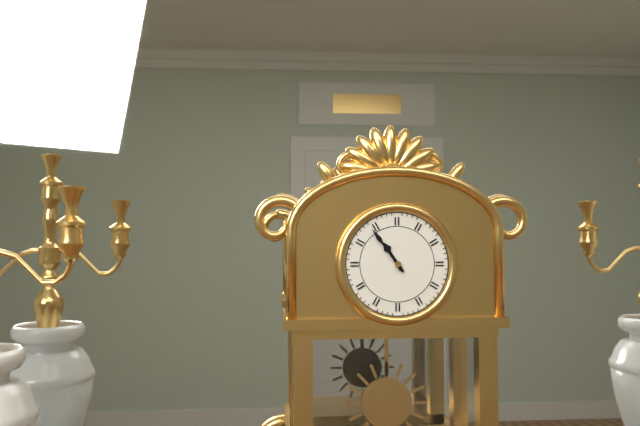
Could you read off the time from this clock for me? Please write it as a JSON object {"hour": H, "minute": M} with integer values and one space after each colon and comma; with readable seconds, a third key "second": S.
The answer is {"hour": 10, "minute": 54}
